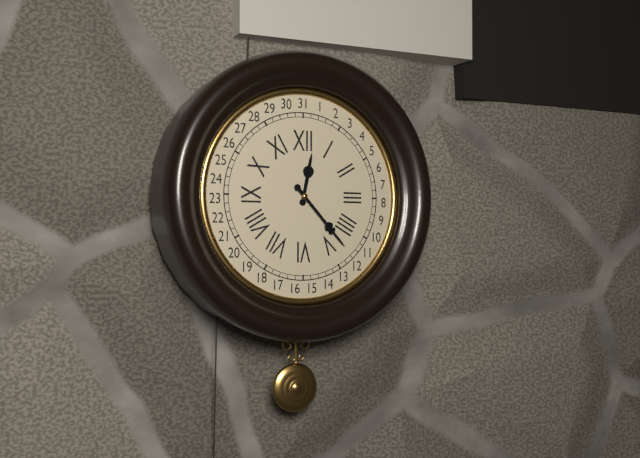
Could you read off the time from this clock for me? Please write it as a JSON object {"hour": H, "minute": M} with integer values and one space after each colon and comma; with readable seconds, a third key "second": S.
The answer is {"hour": 12, "minute": 23}
